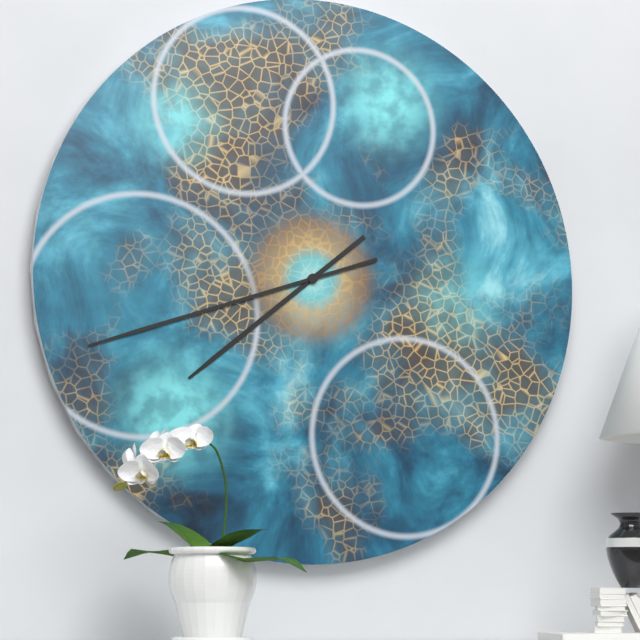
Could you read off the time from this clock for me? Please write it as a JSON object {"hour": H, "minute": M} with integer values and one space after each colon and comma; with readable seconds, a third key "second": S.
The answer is {"hour": 7, "minute": 42}
